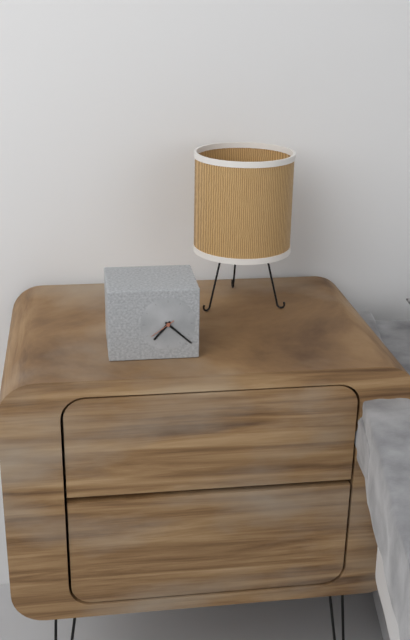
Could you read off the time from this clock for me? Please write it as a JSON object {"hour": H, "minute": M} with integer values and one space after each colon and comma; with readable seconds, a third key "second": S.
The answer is {"hour": 7, "minute": 22}
